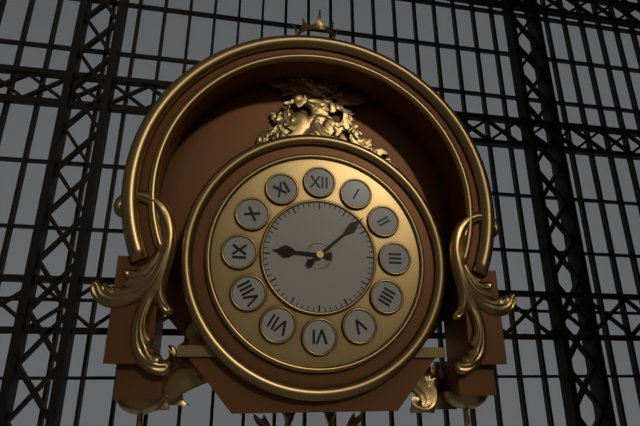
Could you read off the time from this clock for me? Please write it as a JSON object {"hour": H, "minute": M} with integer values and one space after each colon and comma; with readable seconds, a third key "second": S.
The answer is {"hour": 9, "minute": 8}
